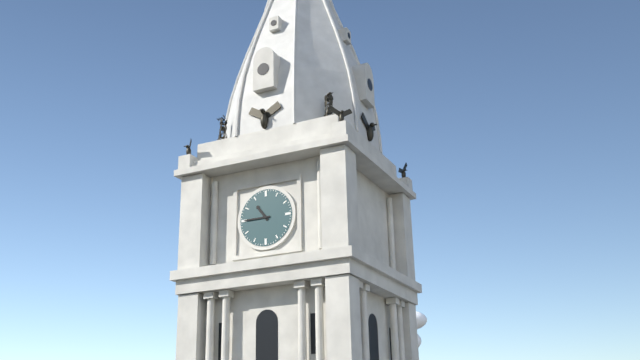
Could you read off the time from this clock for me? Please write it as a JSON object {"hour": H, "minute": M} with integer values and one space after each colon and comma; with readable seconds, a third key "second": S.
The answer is {"hour": 10, "minute": 45}
